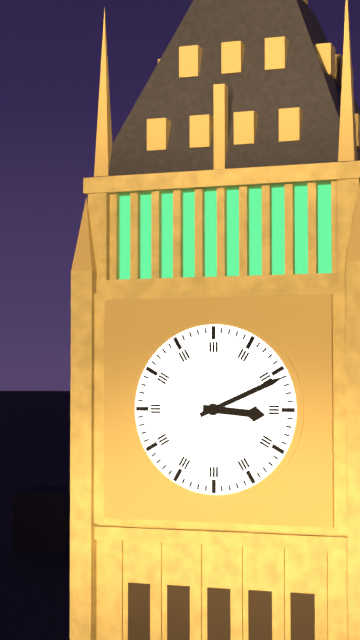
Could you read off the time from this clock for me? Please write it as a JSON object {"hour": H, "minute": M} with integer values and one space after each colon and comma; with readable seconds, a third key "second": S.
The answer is {"hour": 3, "minute": 11}
